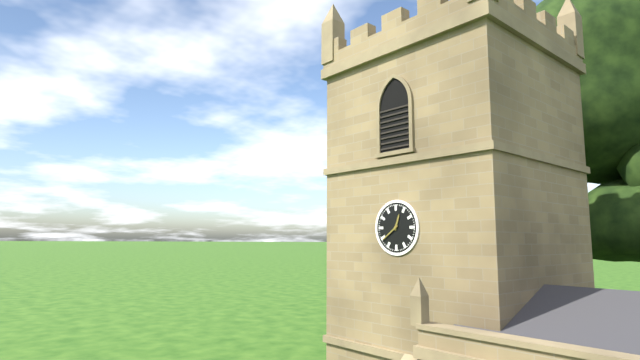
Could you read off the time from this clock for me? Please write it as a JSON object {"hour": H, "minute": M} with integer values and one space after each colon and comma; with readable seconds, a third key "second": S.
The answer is {"hour": 12, "minute": 39}
